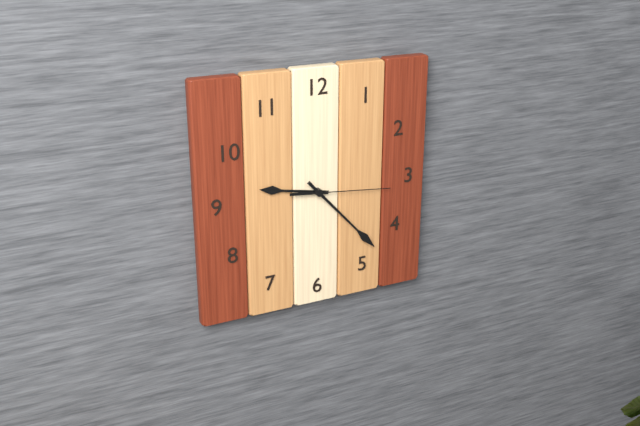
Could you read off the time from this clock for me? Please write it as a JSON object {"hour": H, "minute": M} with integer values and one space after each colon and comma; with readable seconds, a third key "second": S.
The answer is {"hour": 9, "minute": 23, "second": 16}
